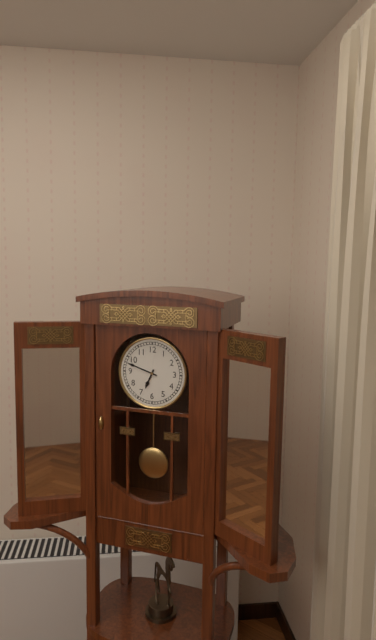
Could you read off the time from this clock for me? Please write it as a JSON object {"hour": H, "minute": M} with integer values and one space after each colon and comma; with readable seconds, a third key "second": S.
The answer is {"hour": 6, "minute": 48}
